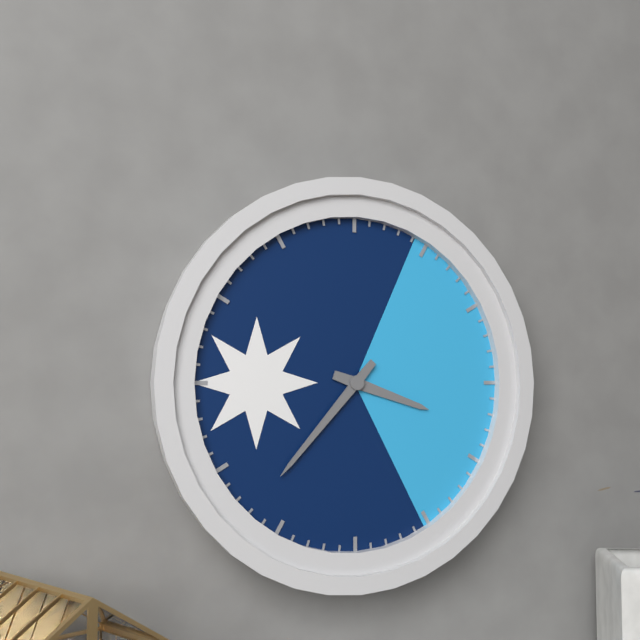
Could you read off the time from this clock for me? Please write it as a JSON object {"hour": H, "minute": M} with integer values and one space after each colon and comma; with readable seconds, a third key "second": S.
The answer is {"hour": 3, "minute": 37}
